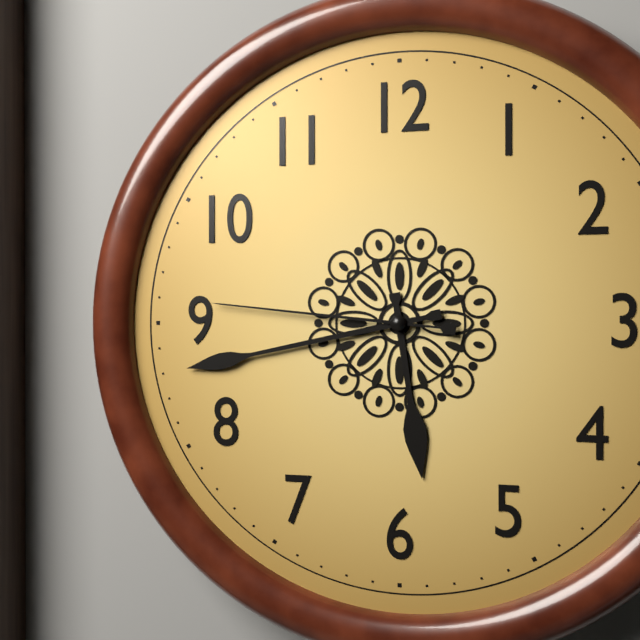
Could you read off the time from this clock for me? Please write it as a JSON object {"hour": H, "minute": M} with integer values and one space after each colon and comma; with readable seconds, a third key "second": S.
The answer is {"hour": 5, "minute": 43, "second": 46}
